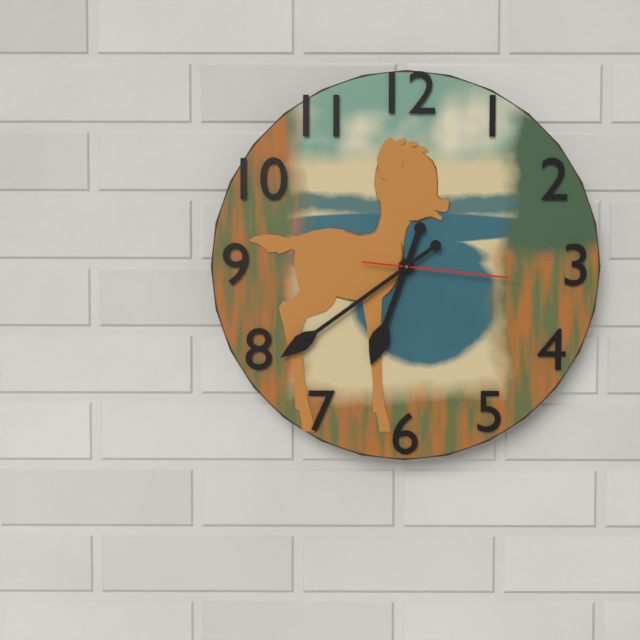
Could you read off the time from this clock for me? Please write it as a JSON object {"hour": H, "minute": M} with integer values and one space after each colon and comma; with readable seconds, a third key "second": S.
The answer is {"hour": 6, "minute": 39, "second": 16}
